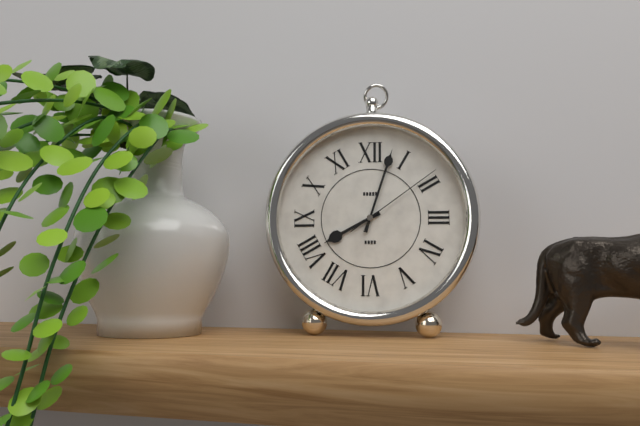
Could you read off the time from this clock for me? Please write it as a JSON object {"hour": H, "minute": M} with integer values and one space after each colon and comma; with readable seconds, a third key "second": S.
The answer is {"hour": 8, "minute": 3, "second": 9}
